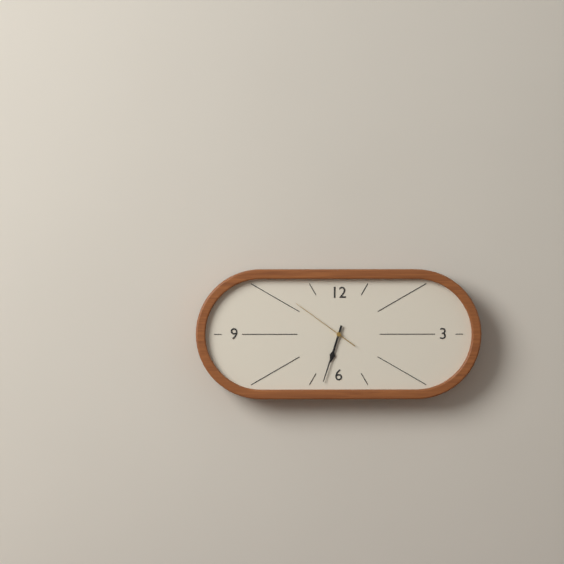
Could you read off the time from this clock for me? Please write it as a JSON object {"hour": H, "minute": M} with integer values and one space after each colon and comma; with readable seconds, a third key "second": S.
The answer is {"hour": 6, "minute": 33, "second": 51}
